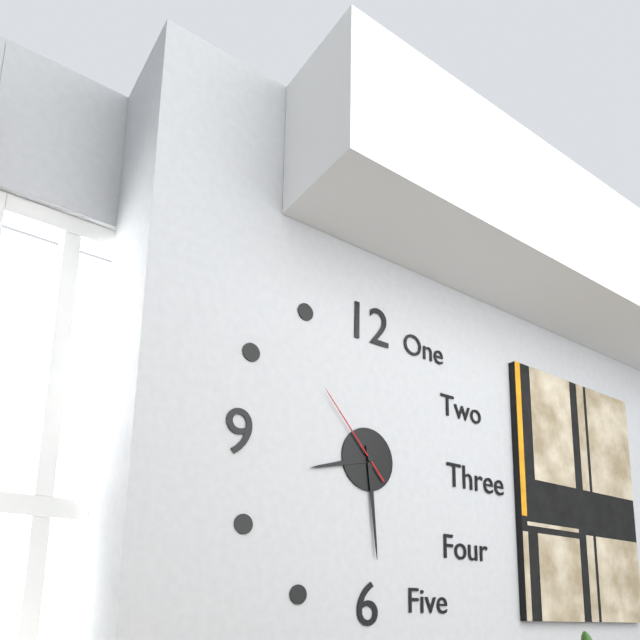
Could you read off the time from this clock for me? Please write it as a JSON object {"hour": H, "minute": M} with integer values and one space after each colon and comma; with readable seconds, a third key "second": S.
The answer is {"hour": 8, "minute": 29, "second": 53}
